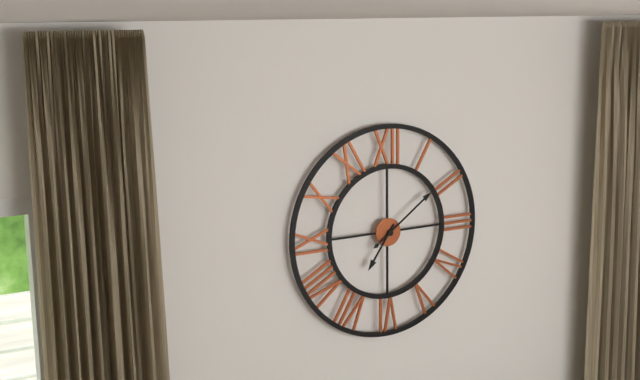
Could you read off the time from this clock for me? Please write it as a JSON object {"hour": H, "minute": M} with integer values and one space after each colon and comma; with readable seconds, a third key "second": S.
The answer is {"hour": 7, "minute": 9}
